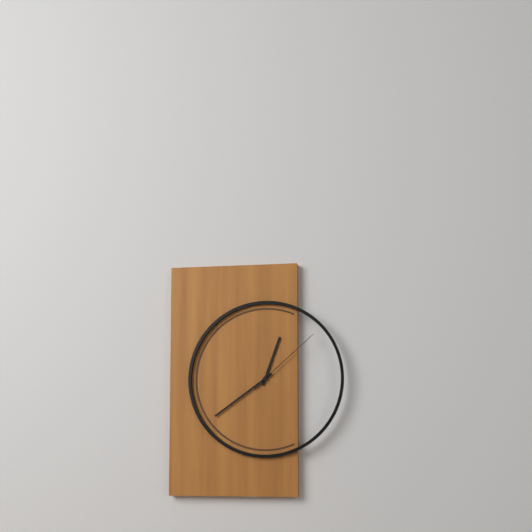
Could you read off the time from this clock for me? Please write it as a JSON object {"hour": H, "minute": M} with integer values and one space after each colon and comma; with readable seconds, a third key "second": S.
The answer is {"hour": 12, "minute": 39, "second": 8}
